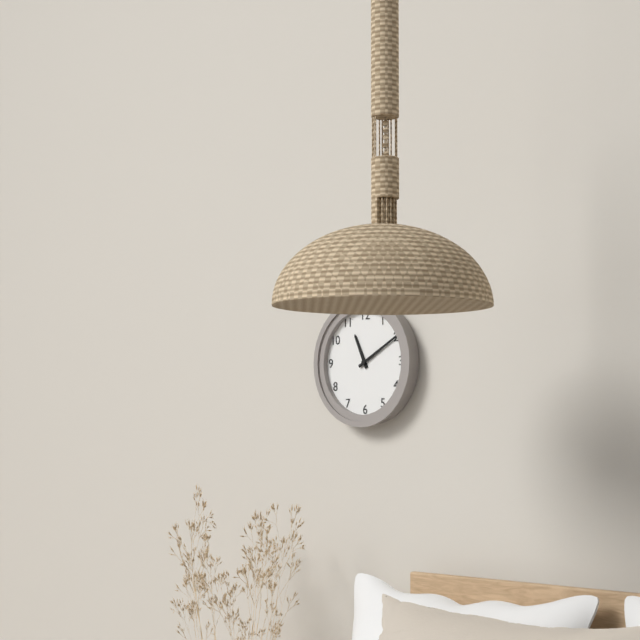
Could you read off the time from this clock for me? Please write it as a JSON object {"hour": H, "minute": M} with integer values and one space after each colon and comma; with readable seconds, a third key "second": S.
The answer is {"hour": 11, "minute": 10}
